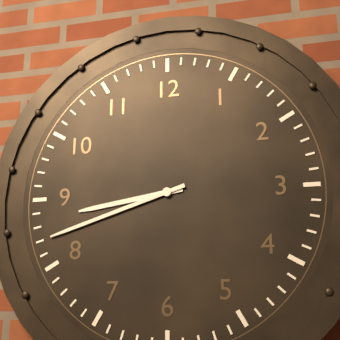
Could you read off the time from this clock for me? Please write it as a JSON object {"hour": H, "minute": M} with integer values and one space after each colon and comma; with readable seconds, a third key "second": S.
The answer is {"hour": 8, "minute": 42}
